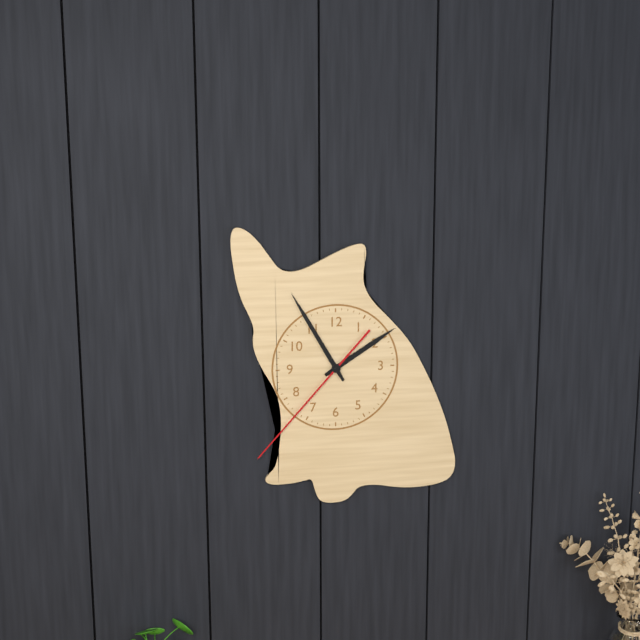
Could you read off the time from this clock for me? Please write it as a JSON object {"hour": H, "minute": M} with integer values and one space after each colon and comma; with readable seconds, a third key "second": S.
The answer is {"hour": 1, "minute": 55, "second": 37}
